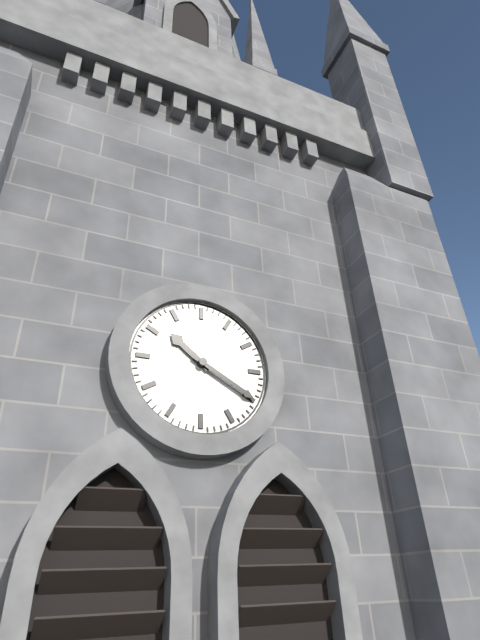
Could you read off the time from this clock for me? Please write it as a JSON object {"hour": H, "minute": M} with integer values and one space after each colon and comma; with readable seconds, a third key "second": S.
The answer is {"hour": 10, "minute": 20}
